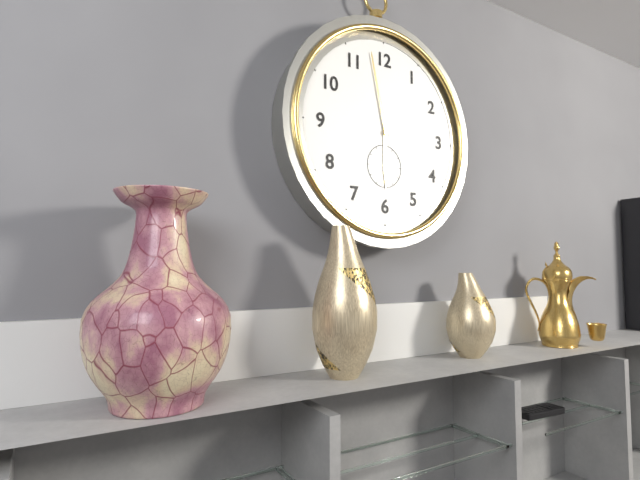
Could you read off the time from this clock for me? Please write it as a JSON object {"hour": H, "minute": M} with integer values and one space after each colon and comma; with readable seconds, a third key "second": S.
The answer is {"hour": 5, "minute": 58}
